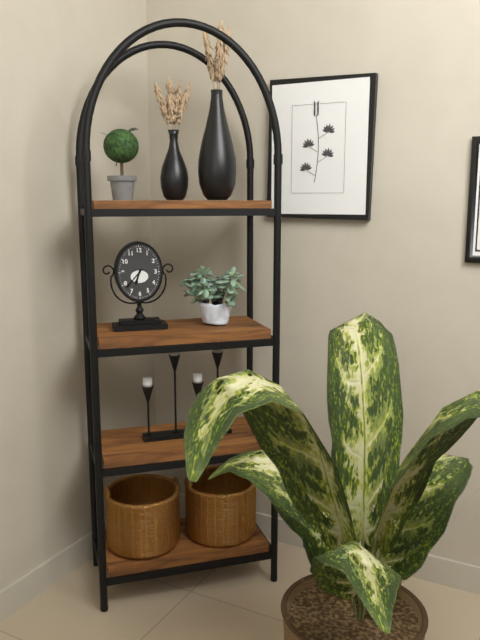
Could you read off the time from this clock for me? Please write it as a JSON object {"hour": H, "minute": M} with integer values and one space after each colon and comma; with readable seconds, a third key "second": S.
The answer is {"hour": 6, "minute": 37}
